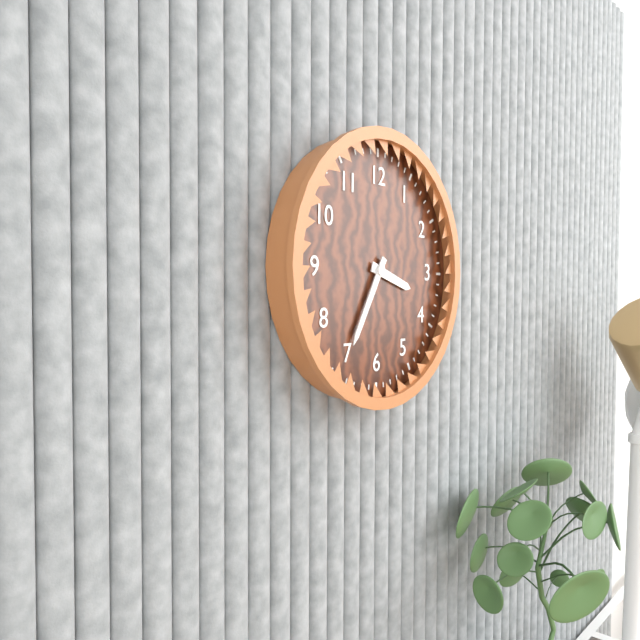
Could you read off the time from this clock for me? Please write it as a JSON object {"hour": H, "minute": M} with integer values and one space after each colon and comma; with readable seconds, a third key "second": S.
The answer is {"hour": 3, "minute": 35}
